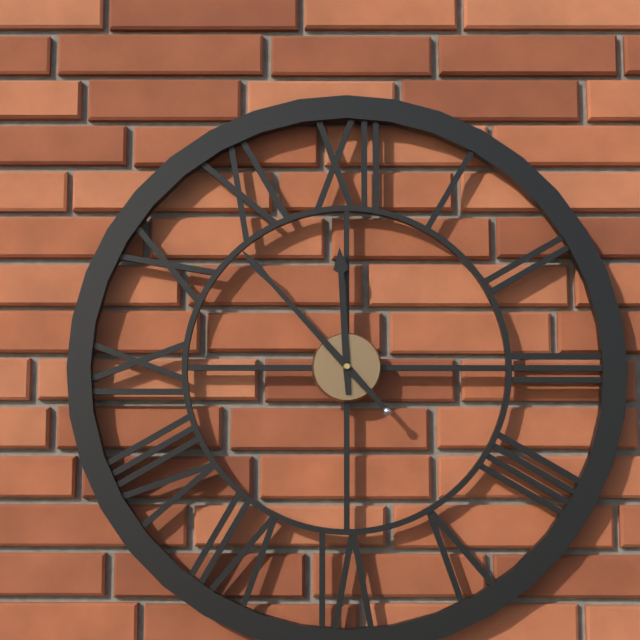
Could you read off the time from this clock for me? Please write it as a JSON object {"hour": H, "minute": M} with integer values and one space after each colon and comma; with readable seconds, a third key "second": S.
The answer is {"hour": 11, "minute": 53}
